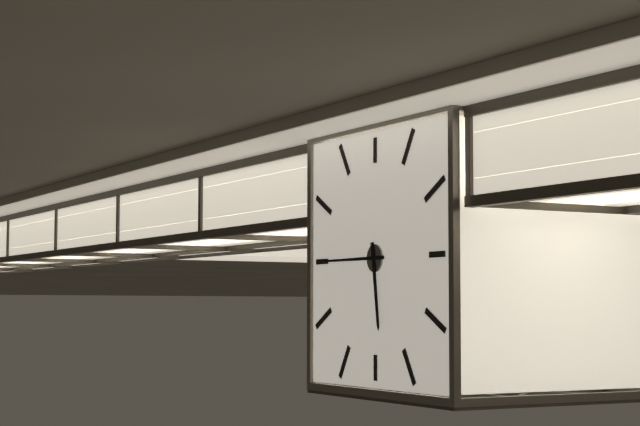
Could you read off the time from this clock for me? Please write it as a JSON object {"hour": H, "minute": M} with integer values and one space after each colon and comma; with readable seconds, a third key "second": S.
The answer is {"hour": 5, "minute": 45}
